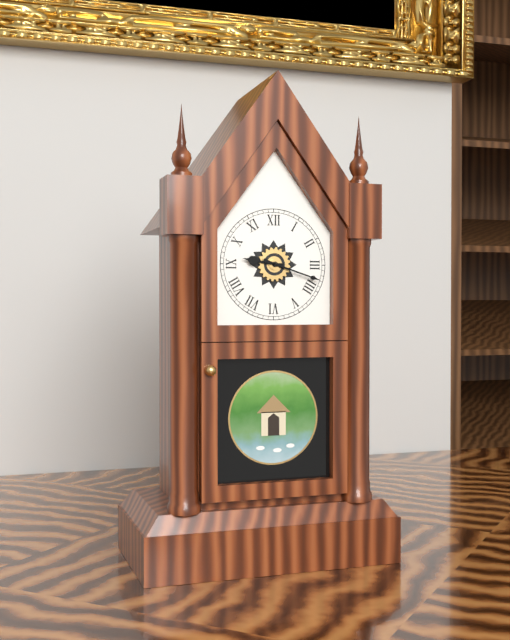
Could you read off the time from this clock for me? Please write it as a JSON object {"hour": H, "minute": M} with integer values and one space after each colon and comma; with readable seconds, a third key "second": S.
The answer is {"hour": 9, "minute": 18}
